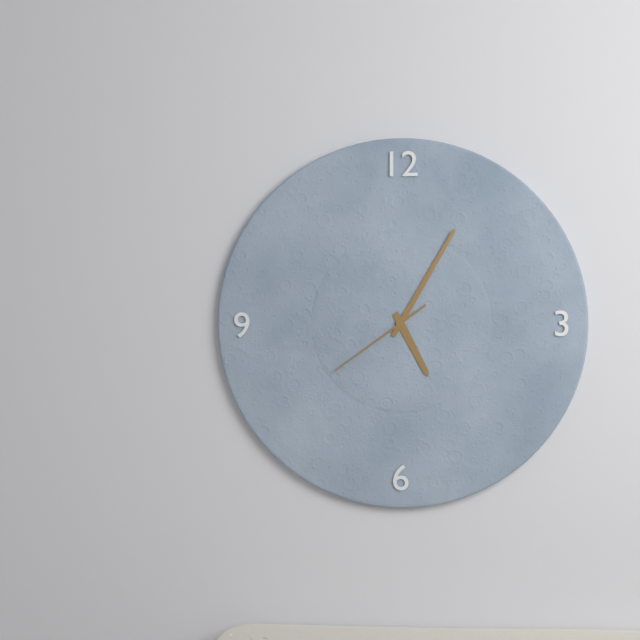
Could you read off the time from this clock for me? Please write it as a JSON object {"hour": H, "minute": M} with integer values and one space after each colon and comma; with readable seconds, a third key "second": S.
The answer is {"hour": 5, "minute": 5, "second": 39}
